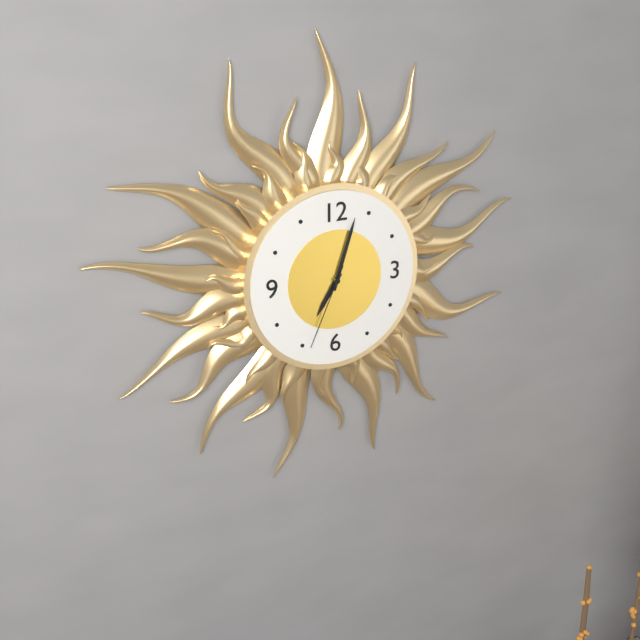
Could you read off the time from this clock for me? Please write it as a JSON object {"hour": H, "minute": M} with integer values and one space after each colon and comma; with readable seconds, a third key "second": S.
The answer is {"hour": 7, "minute": 3, "second": 34}
